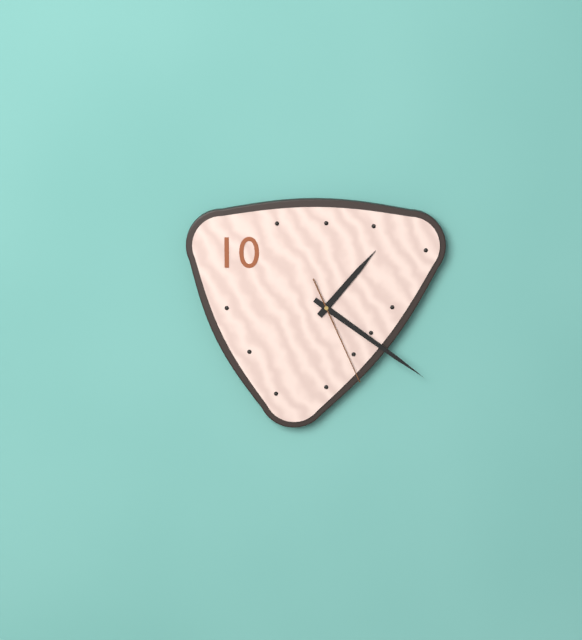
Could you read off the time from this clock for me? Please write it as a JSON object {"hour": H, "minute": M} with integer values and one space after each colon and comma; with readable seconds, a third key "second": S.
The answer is {"hour": 1, "minute": 21, "second": 26}
